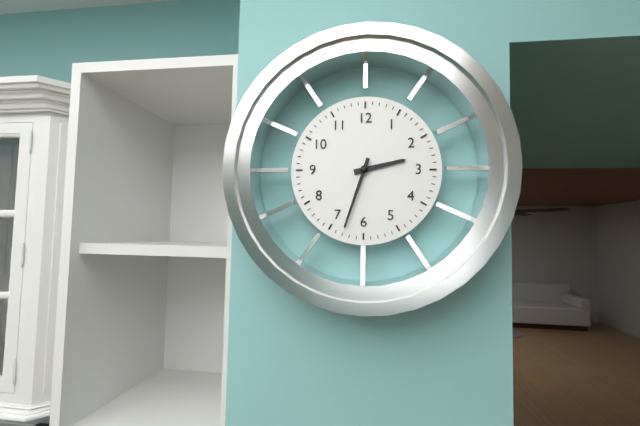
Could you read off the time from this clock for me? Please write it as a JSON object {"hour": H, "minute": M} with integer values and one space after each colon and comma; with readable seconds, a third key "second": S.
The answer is {"hour": 2, "minute": 33}
